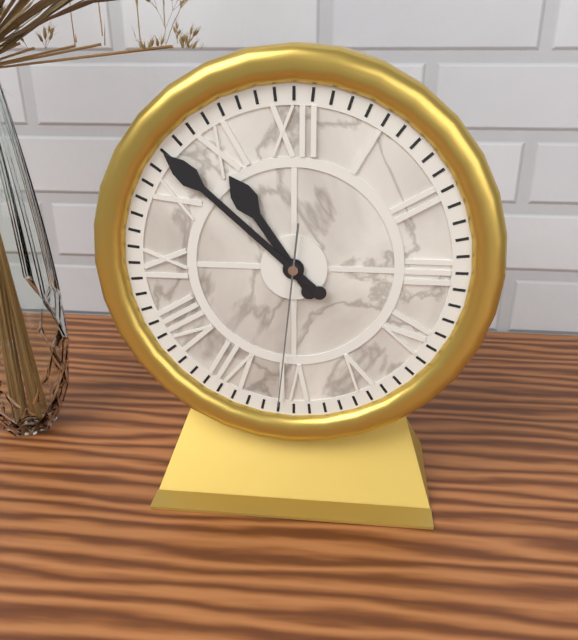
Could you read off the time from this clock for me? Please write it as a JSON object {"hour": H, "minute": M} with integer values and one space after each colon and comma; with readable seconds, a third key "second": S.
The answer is {"hour": 10, "minute": 52, "second": 31}
